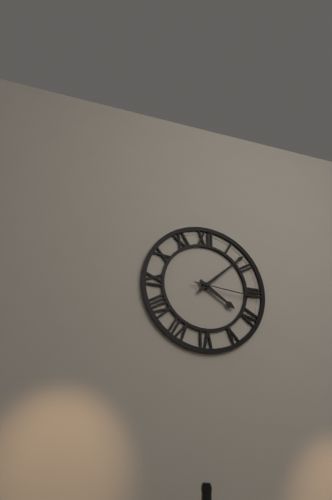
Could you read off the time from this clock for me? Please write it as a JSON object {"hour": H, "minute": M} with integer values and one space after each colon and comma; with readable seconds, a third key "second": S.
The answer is {"hour": 4, "minute": 8, "second": 16}
